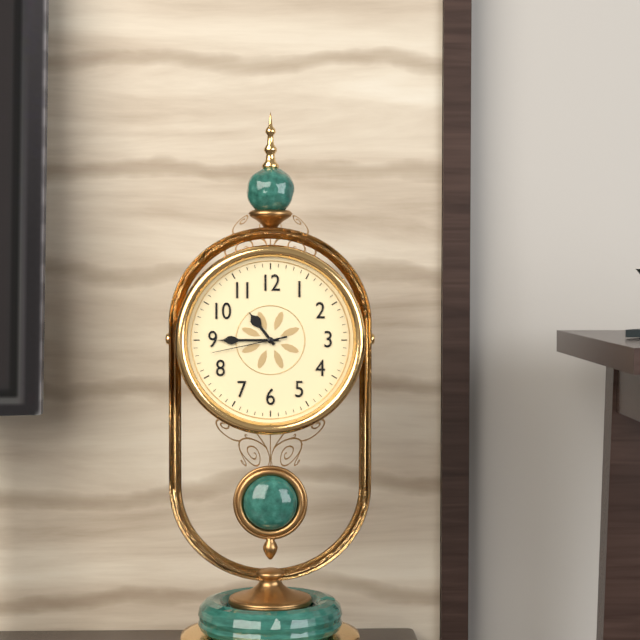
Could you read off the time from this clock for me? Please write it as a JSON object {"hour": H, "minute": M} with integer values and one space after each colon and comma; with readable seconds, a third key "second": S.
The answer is {"hour": 10, "minute": 45, "second": 43}
